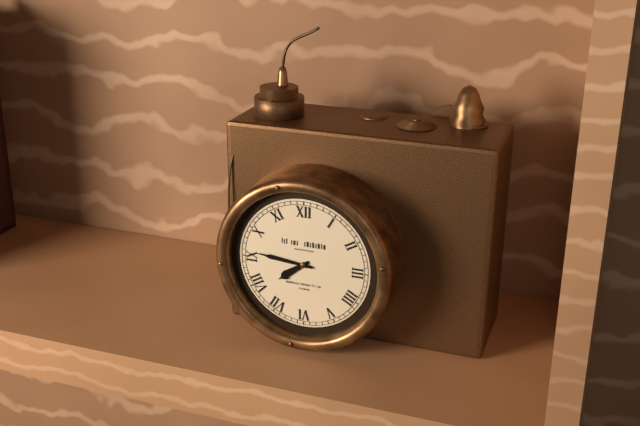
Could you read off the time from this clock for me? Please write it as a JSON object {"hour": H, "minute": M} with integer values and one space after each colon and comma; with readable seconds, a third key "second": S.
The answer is {"hour": 7, "minute": 46}
